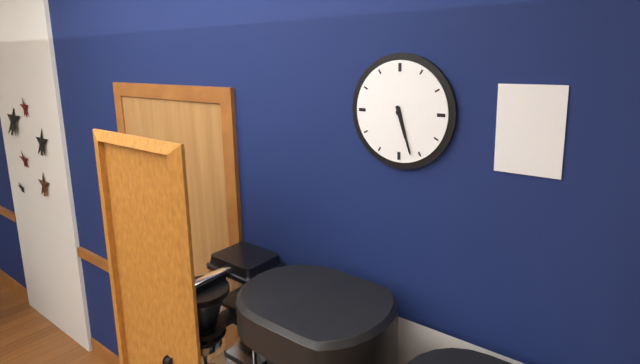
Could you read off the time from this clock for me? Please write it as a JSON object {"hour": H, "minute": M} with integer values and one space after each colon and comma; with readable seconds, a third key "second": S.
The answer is {"hour": 5, "minute": 27}
